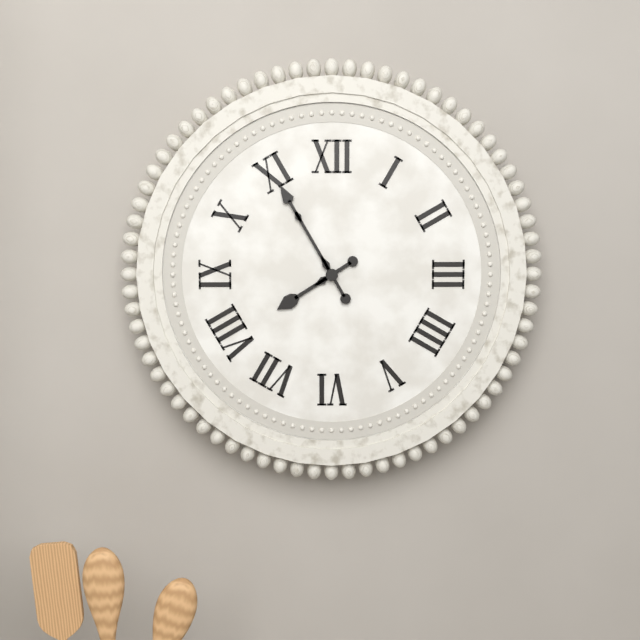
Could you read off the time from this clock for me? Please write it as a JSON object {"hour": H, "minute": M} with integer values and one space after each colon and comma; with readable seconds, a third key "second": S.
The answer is {"hour": 7, "minute": 55}
